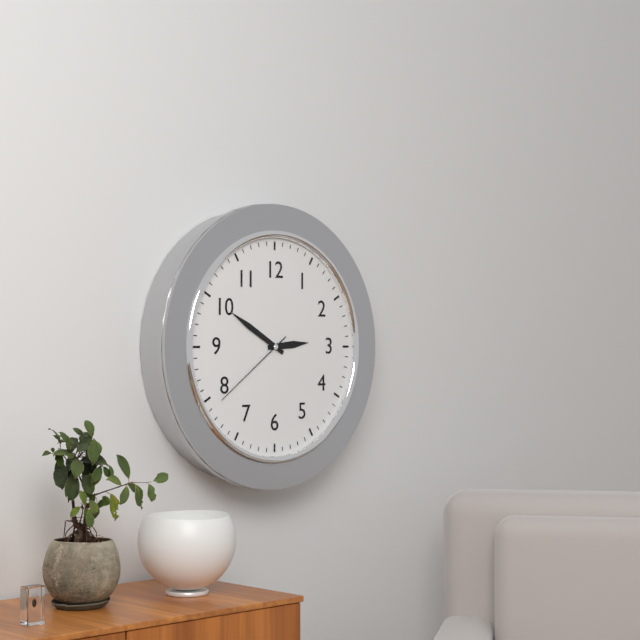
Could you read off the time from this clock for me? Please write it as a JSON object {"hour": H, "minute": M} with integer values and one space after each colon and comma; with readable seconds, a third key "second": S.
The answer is {"hour": 2, "minute": 50, "second": 39}
